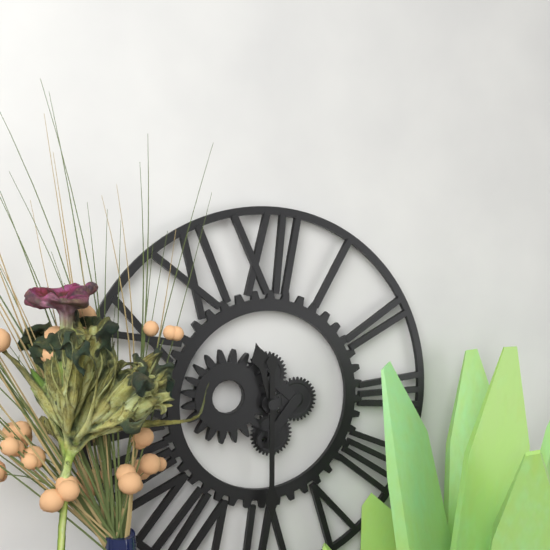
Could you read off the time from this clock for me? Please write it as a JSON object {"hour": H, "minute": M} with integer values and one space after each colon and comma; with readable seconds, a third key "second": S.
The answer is {"hour": 11, "minute": 30}
